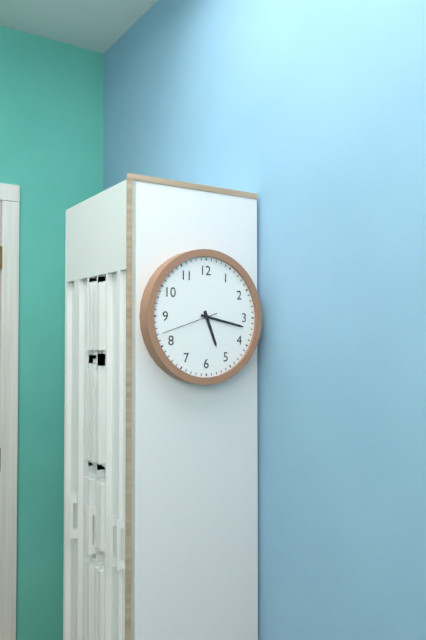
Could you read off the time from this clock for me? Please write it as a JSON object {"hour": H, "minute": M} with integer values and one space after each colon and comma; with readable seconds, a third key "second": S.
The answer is {"hour": 5, "minute": 17, "second": 42}
